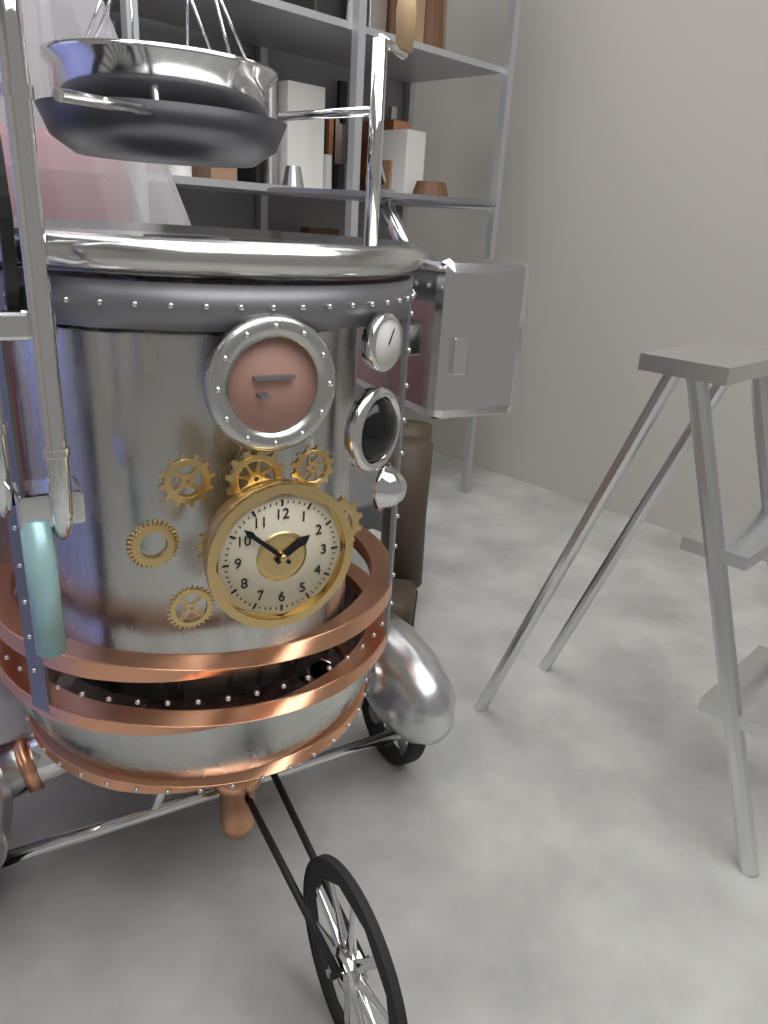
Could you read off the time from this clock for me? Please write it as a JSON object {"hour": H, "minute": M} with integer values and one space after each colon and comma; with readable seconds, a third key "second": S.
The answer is {"hour": 1, "minute": 52}
